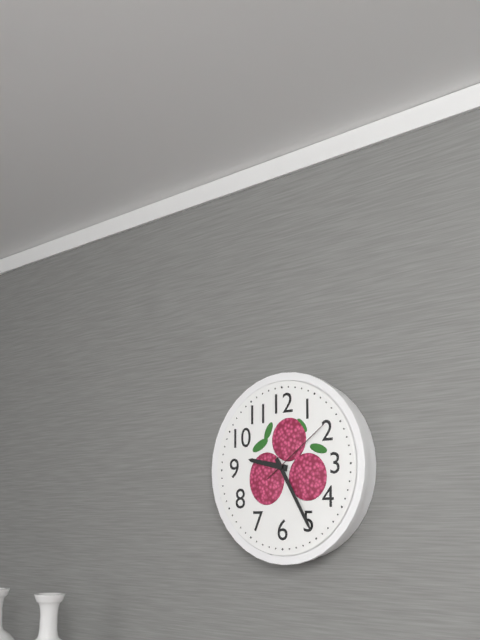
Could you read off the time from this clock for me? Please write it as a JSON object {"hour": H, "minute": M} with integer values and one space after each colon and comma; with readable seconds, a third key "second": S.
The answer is {"hour": 9, "minute": 25, "second": 9}
